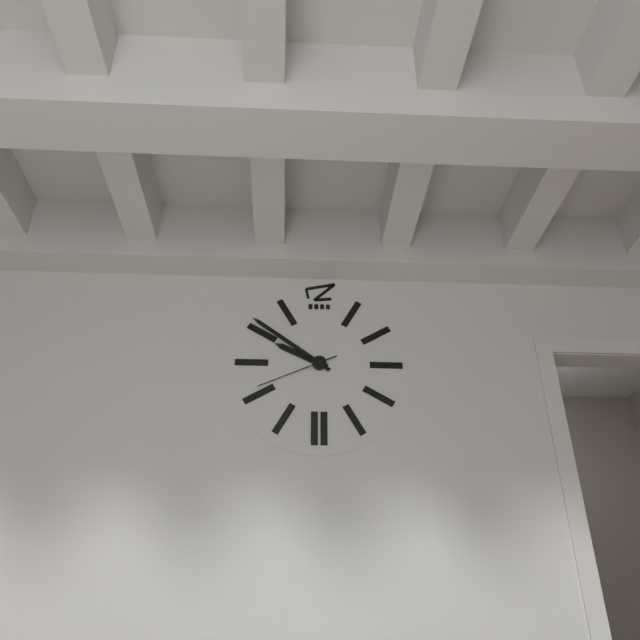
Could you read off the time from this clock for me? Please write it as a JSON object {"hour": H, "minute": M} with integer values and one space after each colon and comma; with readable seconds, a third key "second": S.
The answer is {"hour": 9, "minute": 51, "second": 41}
